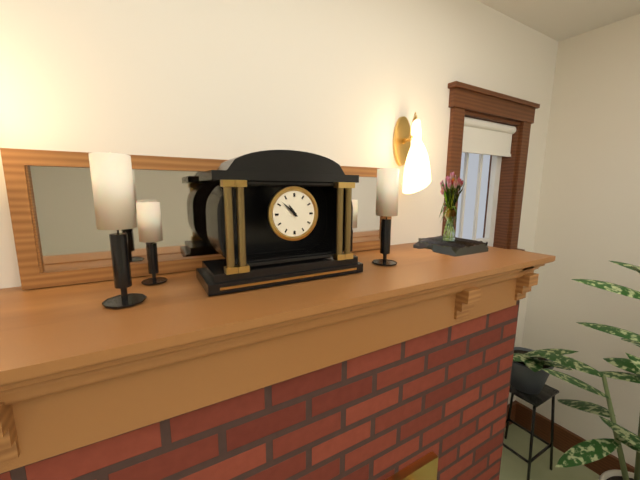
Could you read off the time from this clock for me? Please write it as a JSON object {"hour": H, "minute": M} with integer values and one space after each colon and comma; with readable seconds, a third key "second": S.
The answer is {"hour": 10, "minute": 52}
